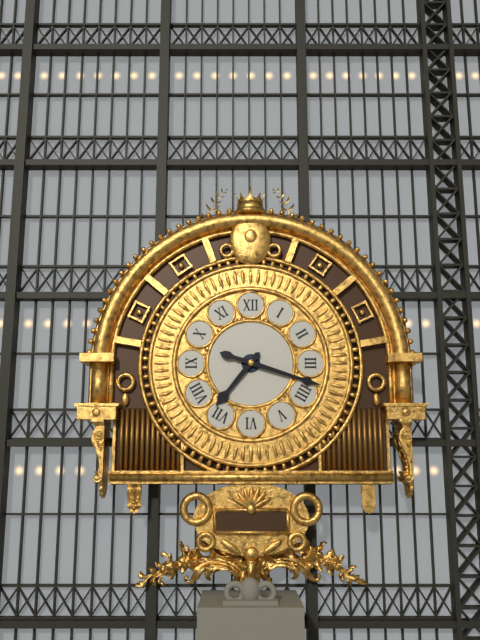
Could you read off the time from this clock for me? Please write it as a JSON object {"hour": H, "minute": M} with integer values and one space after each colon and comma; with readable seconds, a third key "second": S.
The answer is {"hour": 7, "minute": 18}
